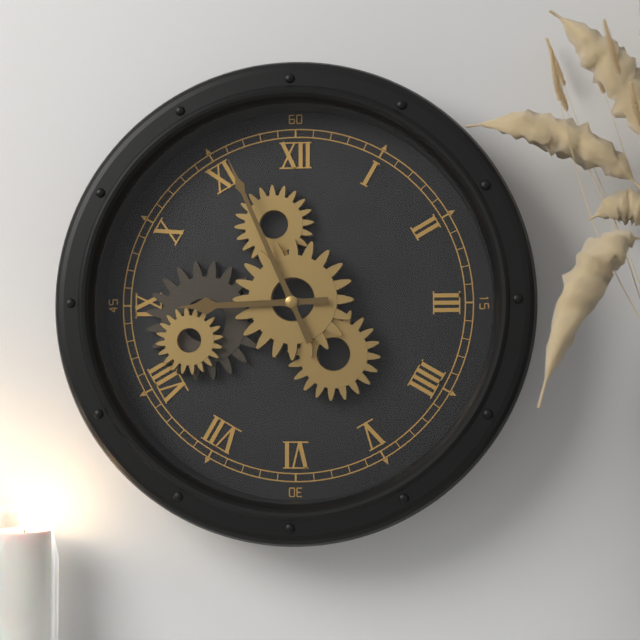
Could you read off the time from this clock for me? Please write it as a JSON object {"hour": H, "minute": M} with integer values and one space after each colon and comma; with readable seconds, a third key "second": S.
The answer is {"hour": 8, "minute": 56}
